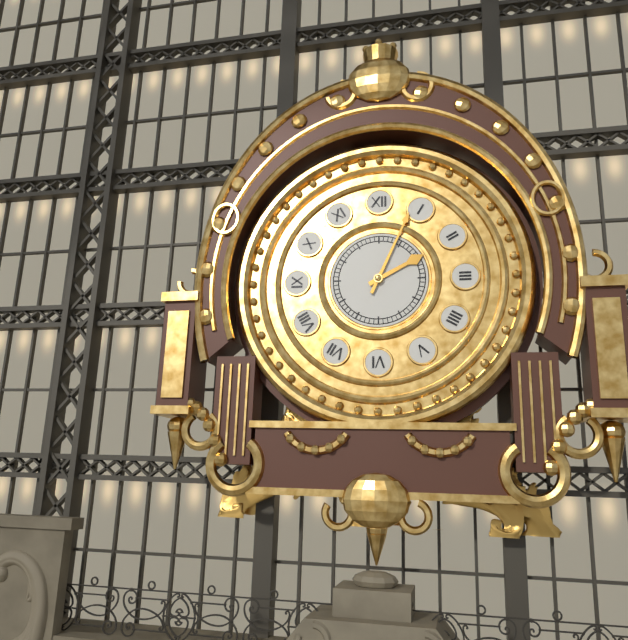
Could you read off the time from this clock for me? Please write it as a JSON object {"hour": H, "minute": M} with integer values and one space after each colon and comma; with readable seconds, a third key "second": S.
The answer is {"hour": 2, "minute": 4}
